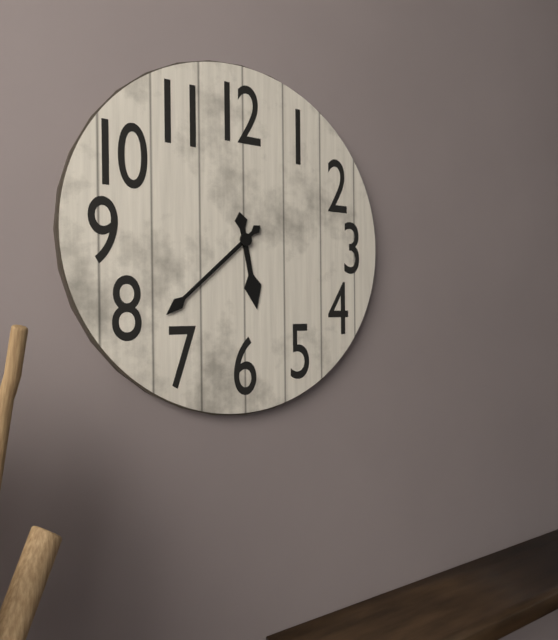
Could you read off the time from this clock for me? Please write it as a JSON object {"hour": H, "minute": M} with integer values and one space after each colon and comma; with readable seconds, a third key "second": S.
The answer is {"hour": 5, "minute": 38}
